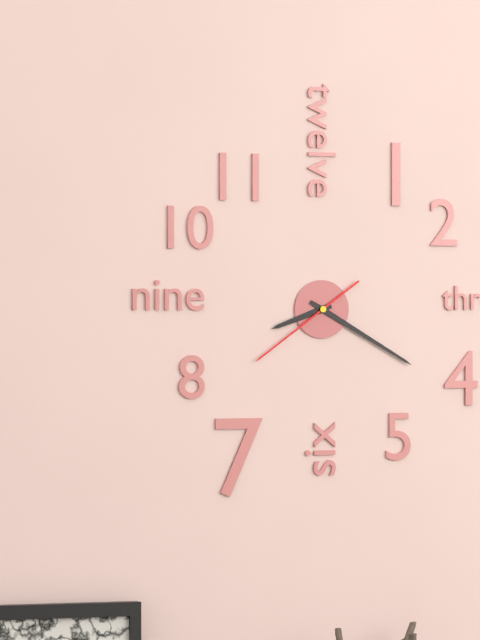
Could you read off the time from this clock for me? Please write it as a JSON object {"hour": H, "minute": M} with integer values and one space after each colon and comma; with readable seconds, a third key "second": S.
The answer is {"hour": 8, "minute": 20, "second": 39}
